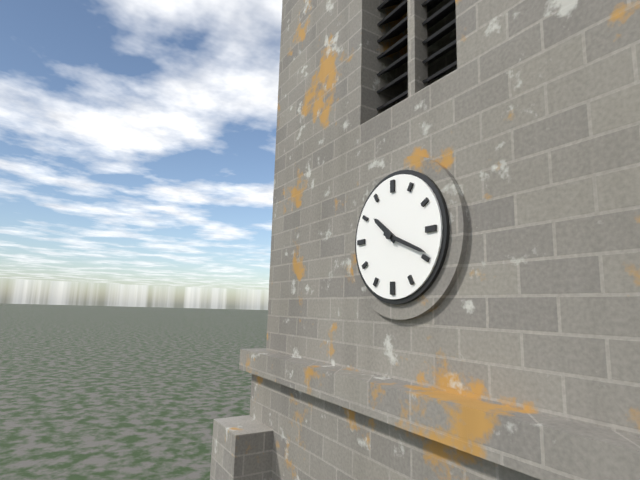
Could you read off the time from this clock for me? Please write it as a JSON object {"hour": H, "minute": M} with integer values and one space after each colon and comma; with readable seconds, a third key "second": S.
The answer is {"hour": 10, "minute": 19}
